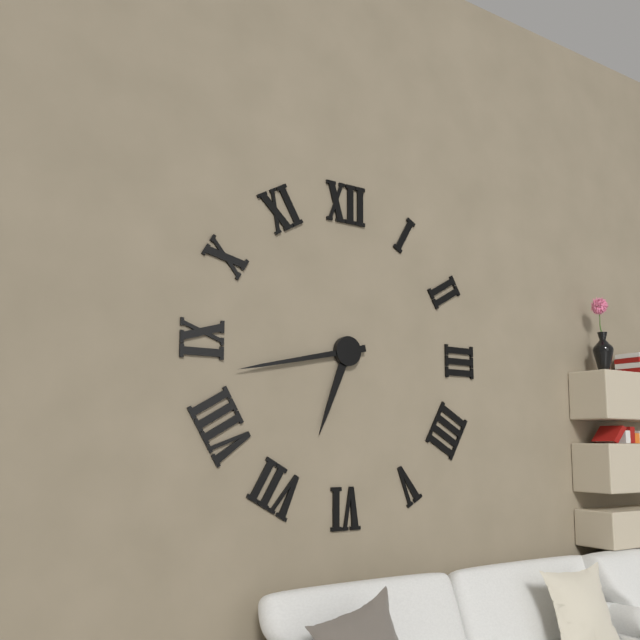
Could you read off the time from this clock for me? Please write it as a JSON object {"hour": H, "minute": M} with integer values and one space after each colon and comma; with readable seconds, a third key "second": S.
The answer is {"hour": 6, "minute": 43}
